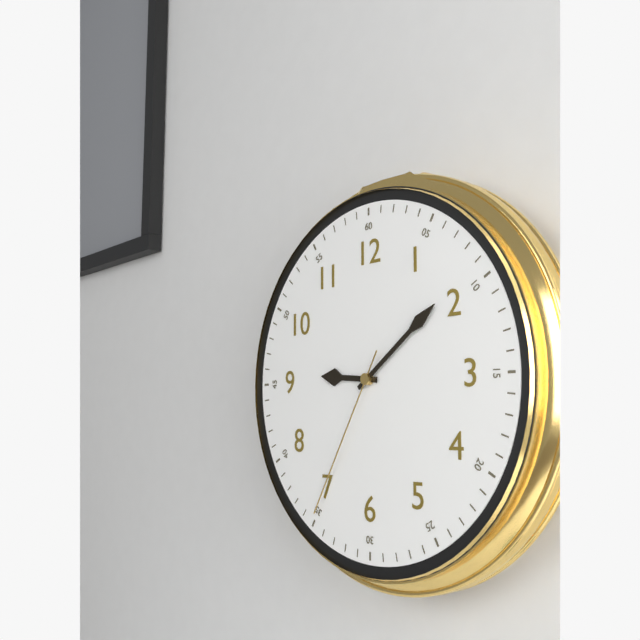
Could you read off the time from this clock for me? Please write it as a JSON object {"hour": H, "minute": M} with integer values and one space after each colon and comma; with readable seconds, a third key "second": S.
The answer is {"hour": 9, "minute": 9, "second": 35}
